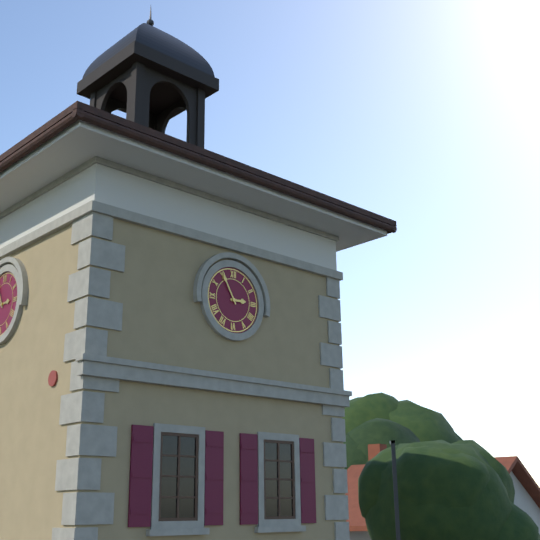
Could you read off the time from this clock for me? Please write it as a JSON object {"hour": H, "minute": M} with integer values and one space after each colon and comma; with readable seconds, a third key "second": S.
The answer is {"hour": 2, "minute": 55}
